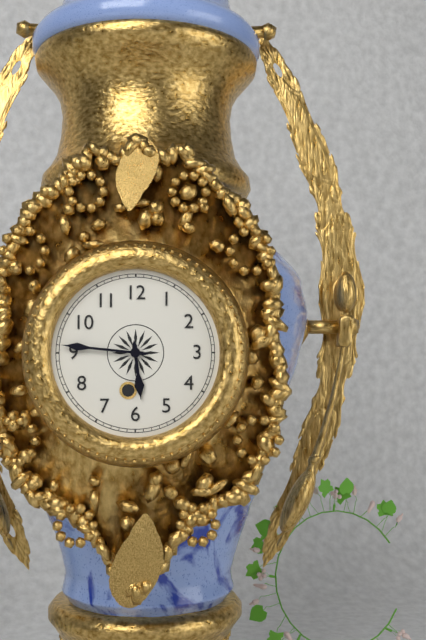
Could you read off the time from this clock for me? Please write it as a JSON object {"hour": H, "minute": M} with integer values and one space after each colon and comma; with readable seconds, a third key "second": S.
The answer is {"hour": 5, "minute": 46}
